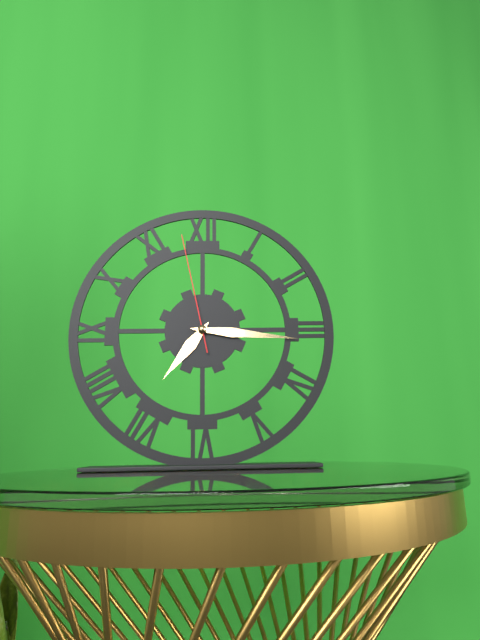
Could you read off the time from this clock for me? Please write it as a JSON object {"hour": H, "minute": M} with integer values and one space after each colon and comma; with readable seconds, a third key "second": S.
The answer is {"hour": 7, "minute": 16, "second": 58}
